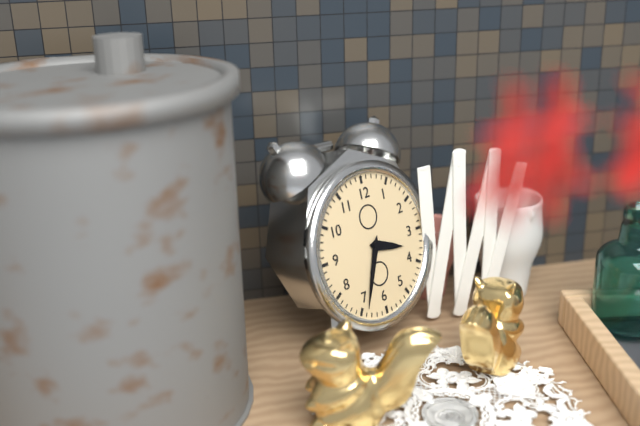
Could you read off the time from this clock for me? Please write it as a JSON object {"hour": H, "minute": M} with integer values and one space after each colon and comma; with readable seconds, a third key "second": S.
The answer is {"hour": 3, "minute": 34}
